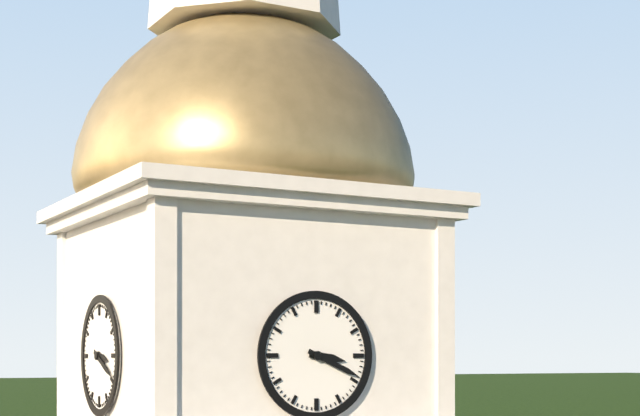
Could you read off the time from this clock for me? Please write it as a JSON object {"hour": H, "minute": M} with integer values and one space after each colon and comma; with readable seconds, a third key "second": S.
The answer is {"hour": 3, "minute": 19}
